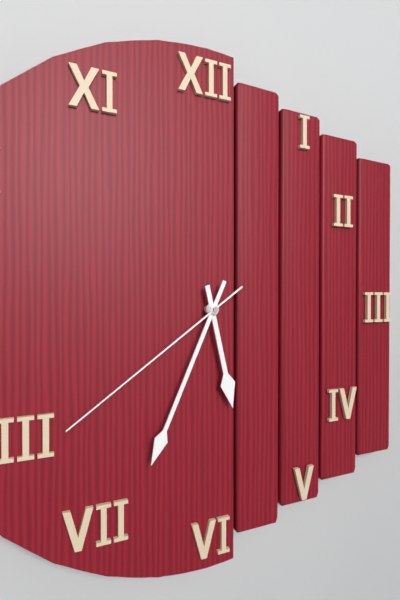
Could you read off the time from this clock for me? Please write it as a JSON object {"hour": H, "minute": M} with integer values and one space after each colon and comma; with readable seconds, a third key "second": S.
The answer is {"hour": 5, "minute": 34, "second": 39}
